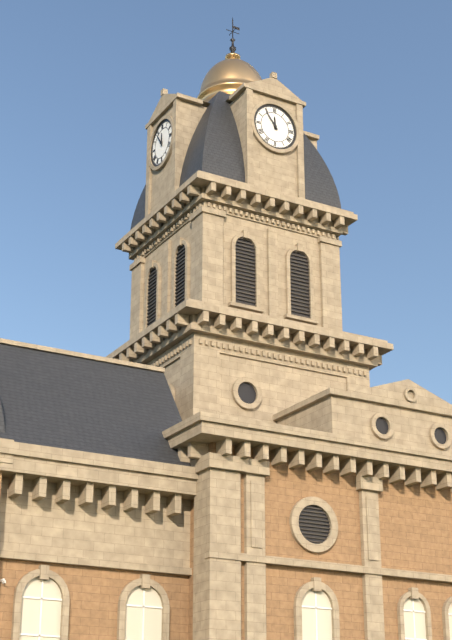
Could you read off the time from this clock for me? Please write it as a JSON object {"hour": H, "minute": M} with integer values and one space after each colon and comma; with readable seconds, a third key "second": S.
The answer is {"hour": 11, "minute": 54}
